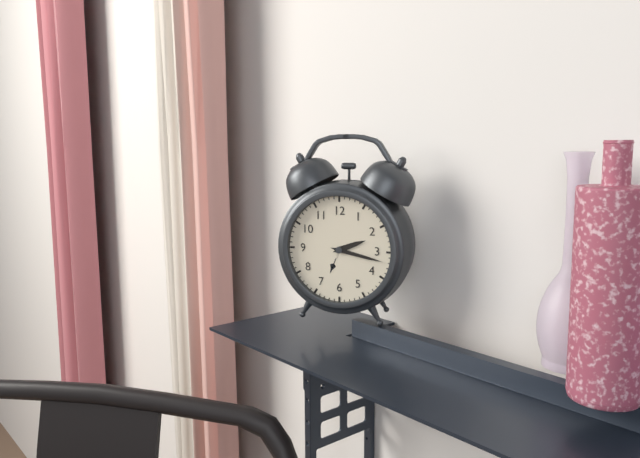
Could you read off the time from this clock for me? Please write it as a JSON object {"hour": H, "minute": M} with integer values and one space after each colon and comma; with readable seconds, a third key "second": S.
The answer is {"hour": 2, "minute": 17}
